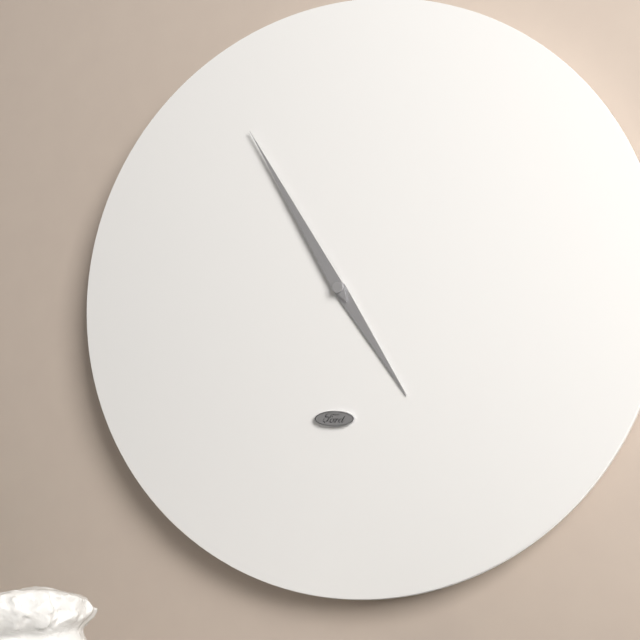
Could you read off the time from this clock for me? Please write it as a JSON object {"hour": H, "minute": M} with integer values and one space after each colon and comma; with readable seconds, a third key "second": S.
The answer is {"hour": 4, "minute": 55}
